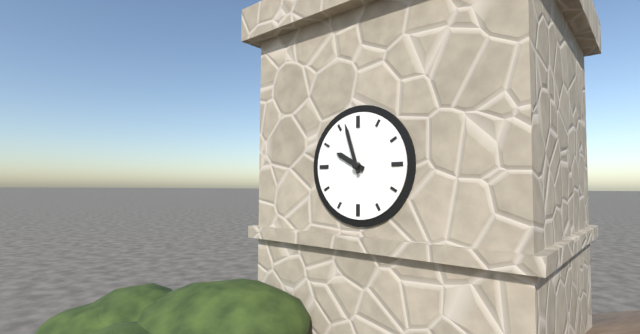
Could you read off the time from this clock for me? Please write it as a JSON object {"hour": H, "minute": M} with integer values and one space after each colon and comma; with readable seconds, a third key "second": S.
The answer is {"hour": 9, "minute": 57}
